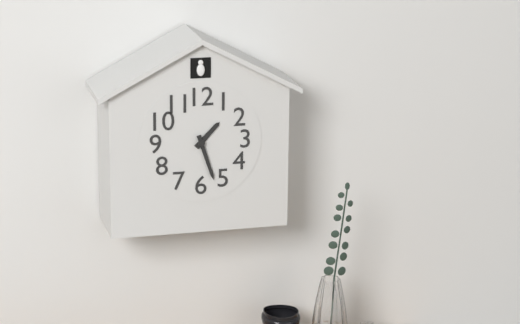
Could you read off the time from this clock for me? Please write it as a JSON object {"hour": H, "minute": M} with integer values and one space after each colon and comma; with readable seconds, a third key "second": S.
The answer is {"hour": 1, "minute": 27}
